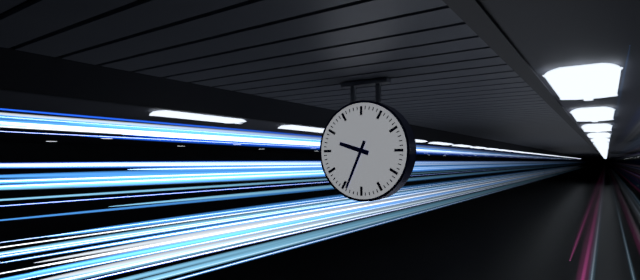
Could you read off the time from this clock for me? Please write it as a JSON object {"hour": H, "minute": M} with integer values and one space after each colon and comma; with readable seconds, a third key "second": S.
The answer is {"hour": 9, "minute": 34}
